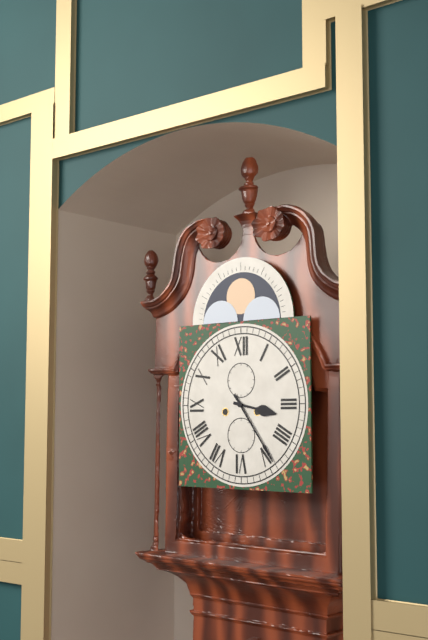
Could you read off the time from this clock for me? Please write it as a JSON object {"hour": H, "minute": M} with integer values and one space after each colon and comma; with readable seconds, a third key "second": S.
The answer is {"hour": 3, "minute": 24}
